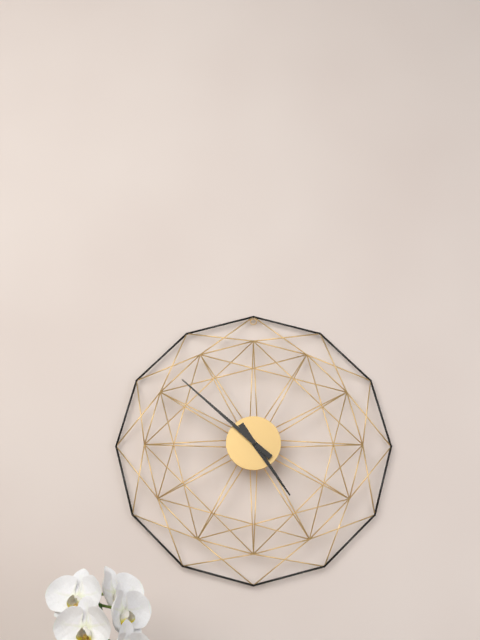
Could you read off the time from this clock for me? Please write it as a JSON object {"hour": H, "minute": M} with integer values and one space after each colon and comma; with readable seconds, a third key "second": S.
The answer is {"hour": 4, "minute": 52}
